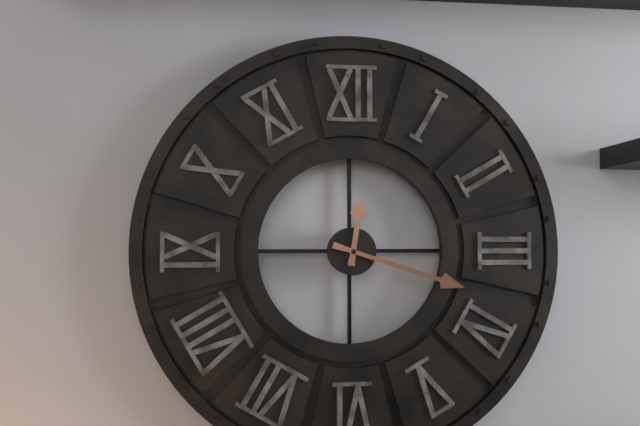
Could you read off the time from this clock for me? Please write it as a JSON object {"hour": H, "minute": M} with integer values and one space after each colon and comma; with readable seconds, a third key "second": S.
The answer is {"hour": 12, "minute": 18}
